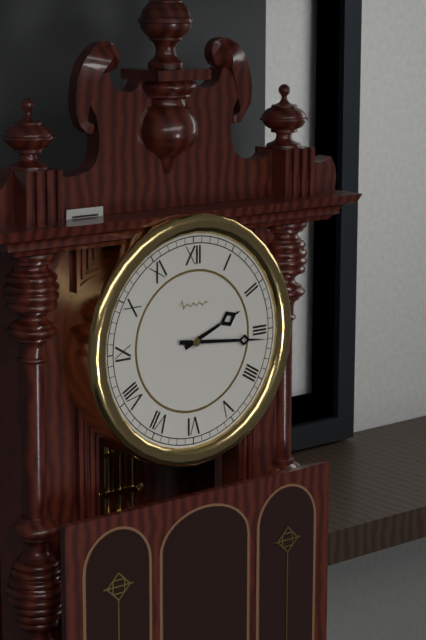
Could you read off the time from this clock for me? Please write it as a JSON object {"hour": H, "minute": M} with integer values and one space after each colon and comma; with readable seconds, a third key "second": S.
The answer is {"hour": 2, "minute": 16}
